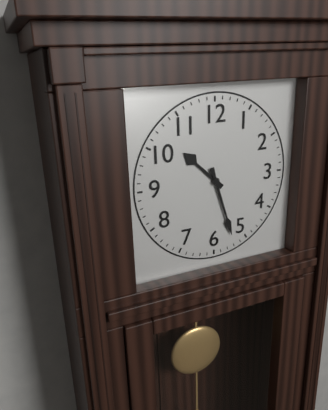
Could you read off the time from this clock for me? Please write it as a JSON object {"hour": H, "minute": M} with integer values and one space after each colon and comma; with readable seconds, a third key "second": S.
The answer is {"hour": 10, "minute": 27}
